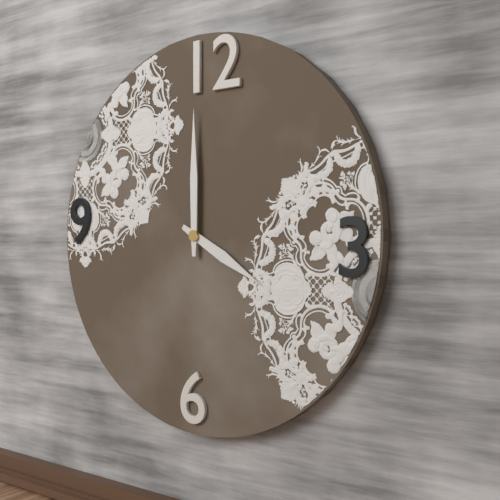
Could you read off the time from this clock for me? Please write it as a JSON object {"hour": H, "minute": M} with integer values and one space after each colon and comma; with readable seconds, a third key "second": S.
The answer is {"hour": 4, "minute": 0}
